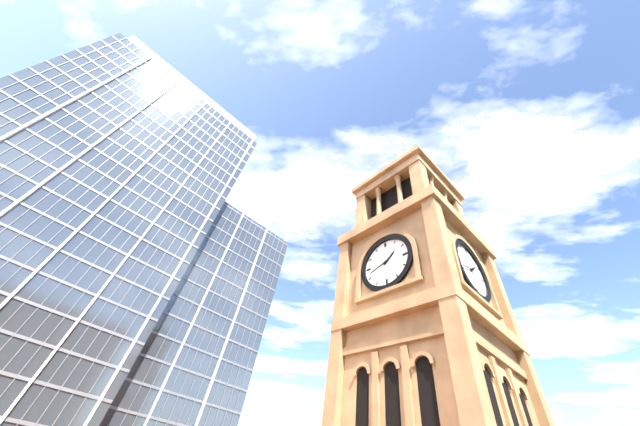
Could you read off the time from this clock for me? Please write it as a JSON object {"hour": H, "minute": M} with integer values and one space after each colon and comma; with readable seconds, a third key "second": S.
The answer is {"hour": 1, "minute": 42}
